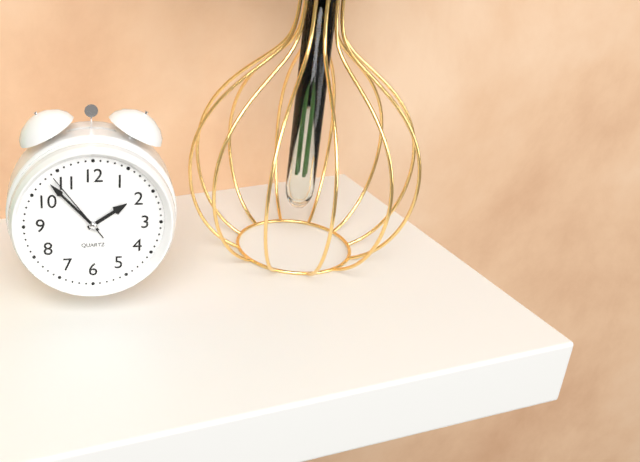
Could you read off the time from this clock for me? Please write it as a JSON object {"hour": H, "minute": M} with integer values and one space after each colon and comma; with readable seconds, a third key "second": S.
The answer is {"hour": 1, "minute": 53, "second": 54}
